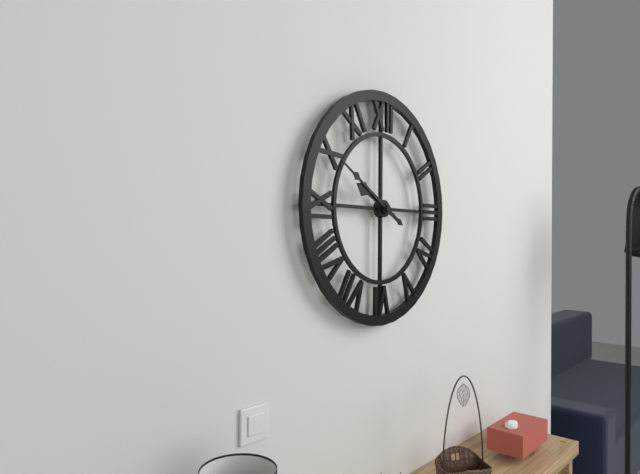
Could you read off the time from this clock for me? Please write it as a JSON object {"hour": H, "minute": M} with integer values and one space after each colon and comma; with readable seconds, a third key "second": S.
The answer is {"hour": 9, "minute": 50}
